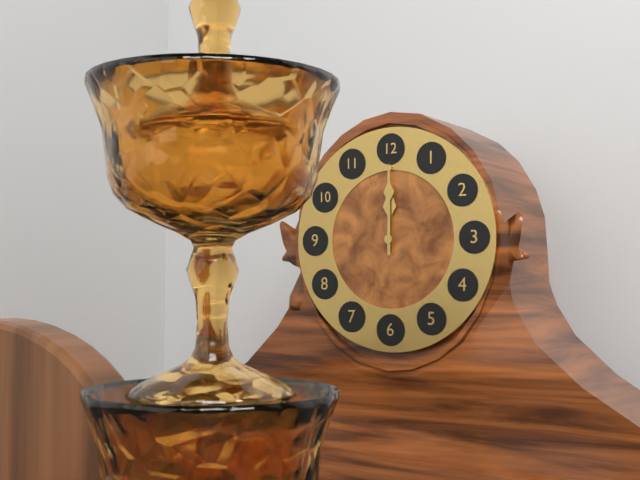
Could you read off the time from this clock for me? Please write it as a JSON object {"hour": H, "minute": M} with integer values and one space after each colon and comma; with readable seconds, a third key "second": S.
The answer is {"hour": 12, "minute": 0}
